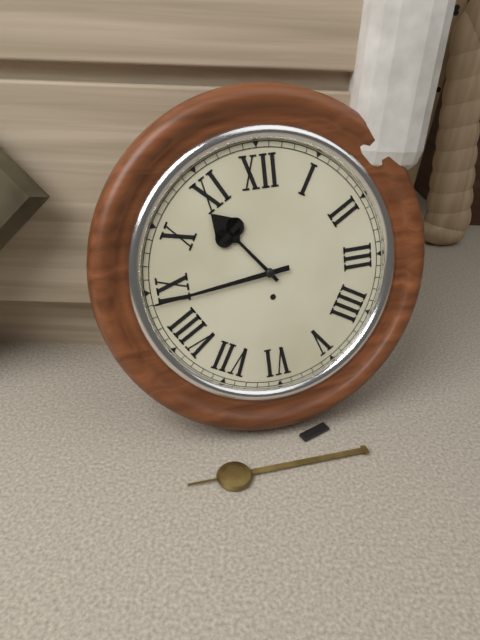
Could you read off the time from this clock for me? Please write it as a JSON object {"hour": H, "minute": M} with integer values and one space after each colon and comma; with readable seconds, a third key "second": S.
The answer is {"hour": 10, "minute": 44}
